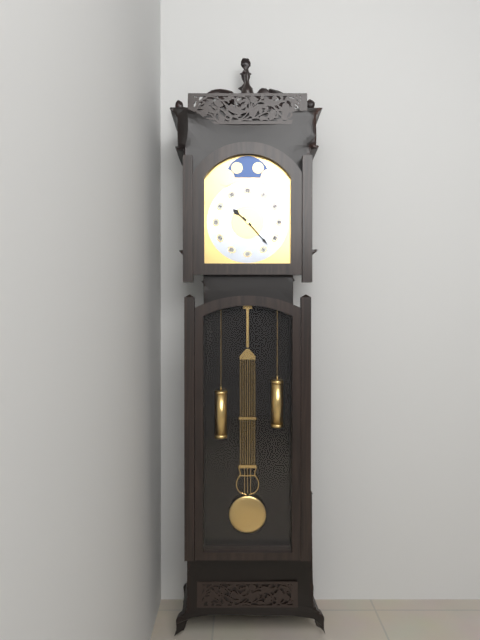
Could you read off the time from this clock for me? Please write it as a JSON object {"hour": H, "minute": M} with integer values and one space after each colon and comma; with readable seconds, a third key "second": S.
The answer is {"hour": 10, "minute": 23}
